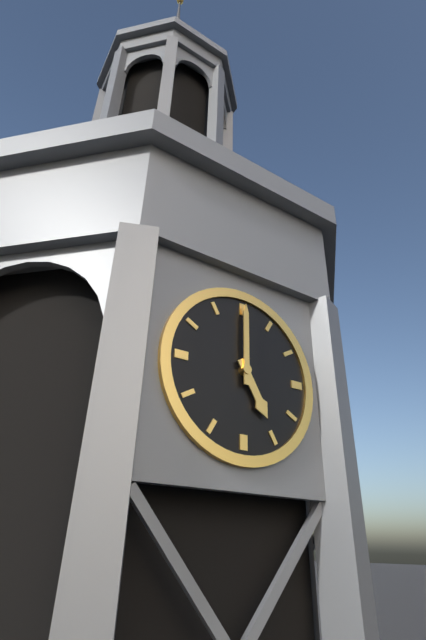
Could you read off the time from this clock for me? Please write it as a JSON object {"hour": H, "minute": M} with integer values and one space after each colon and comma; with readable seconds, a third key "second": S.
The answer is {"hour": 5, "minute": 0}
